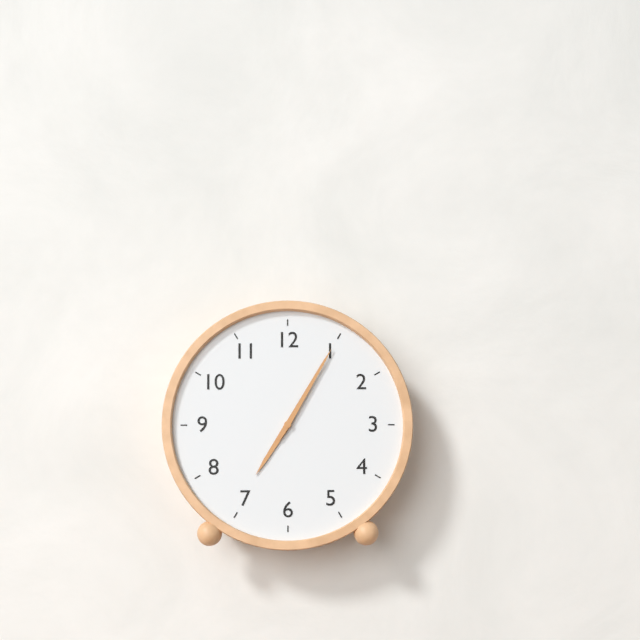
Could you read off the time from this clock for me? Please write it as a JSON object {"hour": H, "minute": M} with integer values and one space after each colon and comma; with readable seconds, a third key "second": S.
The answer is {"hour": 7, "minute": 5}
